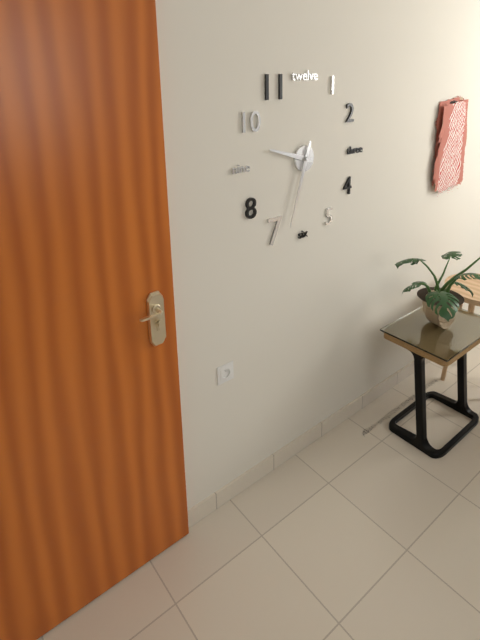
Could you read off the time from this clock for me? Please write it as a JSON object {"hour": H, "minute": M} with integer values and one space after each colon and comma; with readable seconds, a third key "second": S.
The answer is {"hour": 9, "minute": 33}
